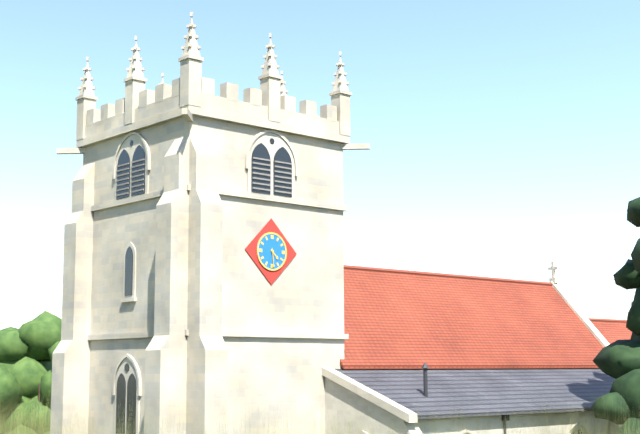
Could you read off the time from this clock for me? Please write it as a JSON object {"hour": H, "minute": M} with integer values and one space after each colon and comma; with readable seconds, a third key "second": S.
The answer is {"hour": 4, "minute": 29}
